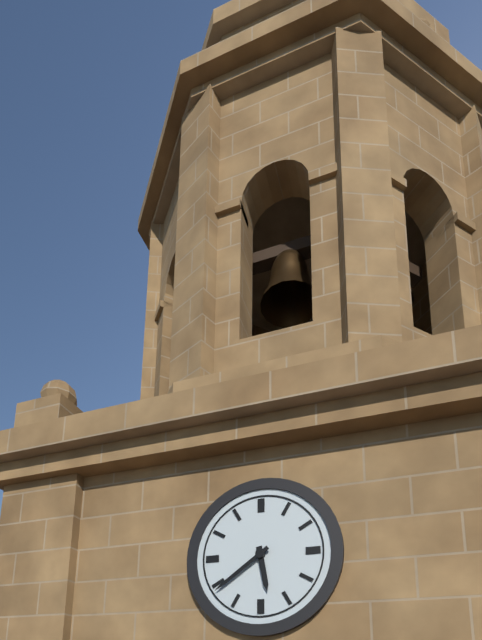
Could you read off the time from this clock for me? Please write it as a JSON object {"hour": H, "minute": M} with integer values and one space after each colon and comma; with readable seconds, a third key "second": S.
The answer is {"hour": 5, "minute": 39}
